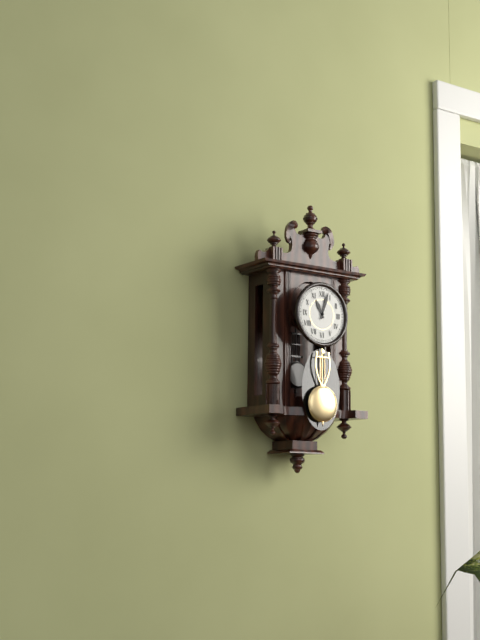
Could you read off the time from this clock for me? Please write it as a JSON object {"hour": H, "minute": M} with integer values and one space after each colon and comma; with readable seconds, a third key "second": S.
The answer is {"hour": 11, "minute": 3}
